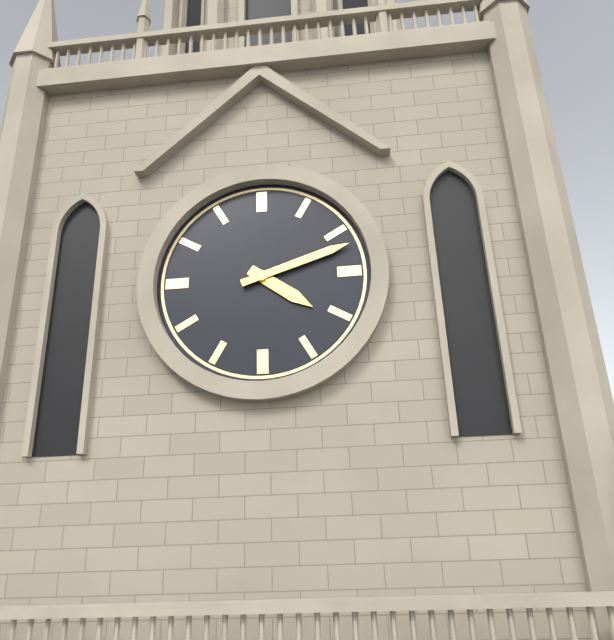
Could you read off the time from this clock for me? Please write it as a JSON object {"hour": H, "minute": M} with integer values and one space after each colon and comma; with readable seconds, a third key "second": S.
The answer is {"hour": 4, "minute": 12}
